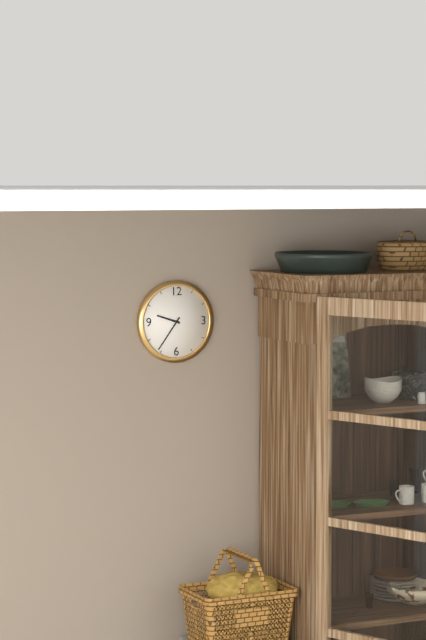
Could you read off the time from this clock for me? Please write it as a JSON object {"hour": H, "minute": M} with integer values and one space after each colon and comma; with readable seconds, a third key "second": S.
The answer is {"hour": 9, "minute": 36}
